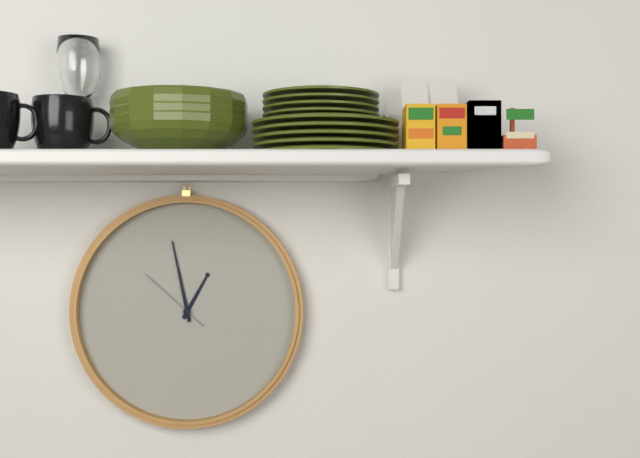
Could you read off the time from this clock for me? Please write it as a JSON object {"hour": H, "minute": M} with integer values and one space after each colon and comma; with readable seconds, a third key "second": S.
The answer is {"hour": 12, "minute": 58, "second": 52}
